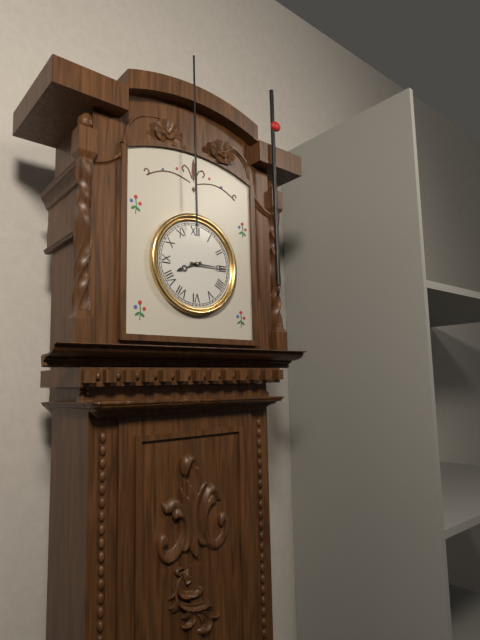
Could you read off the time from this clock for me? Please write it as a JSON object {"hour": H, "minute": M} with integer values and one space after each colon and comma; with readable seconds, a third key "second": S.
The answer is {"hour": 8, "minute": 15}
